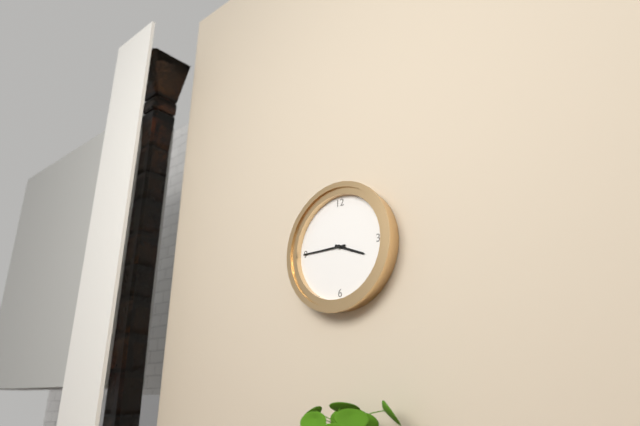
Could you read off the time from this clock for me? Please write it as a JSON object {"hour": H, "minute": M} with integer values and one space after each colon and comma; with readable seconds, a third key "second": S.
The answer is {"hour": 3, "minute": 45}
